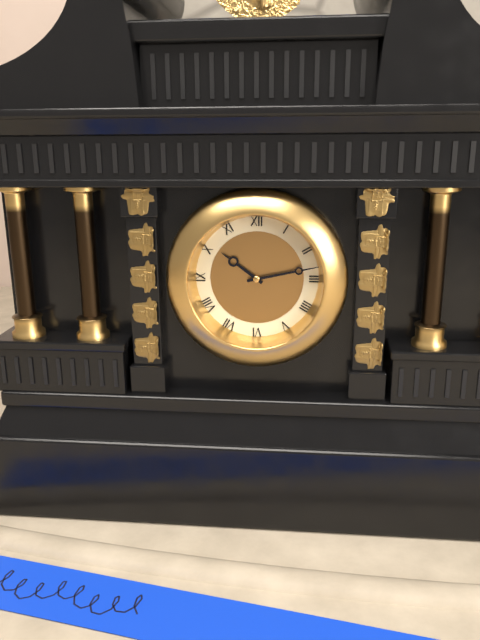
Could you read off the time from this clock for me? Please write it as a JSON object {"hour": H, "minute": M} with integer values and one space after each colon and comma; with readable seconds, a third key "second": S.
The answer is {"hour": 10, "minute": 13}
